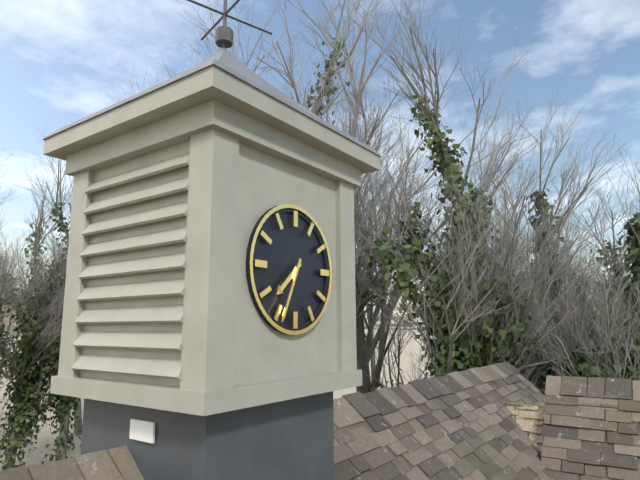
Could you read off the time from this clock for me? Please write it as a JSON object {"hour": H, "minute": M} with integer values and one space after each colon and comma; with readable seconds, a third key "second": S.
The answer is {"hour": 7, "minute": 34}
